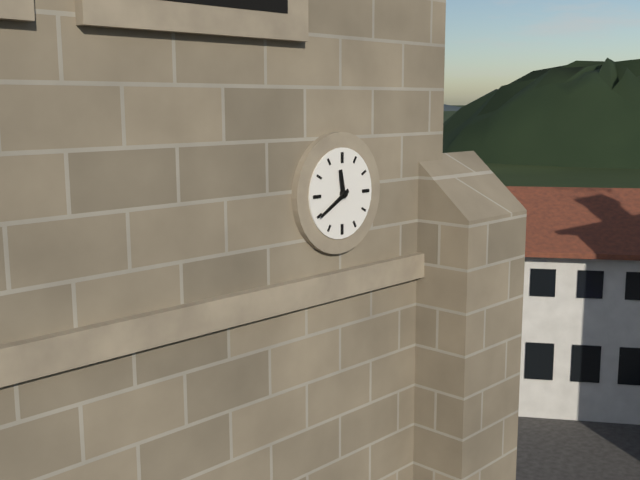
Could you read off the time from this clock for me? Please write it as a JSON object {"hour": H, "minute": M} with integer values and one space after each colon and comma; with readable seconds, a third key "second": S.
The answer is {"hour": 11, "minute": 40}
